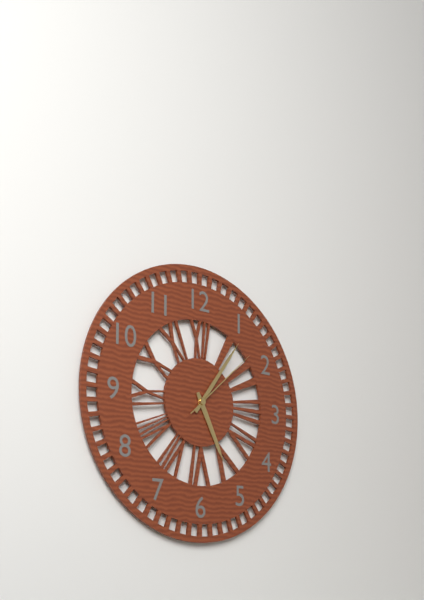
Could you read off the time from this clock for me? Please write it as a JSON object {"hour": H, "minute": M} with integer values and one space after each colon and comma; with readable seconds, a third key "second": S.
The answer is {"hour": 5, "minute": 6, "second": 8}
